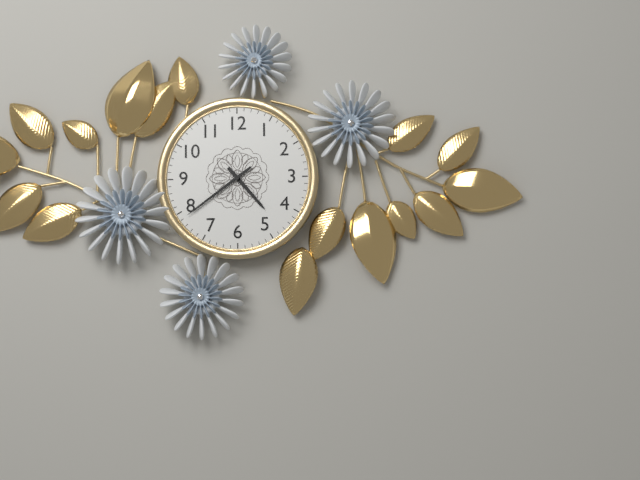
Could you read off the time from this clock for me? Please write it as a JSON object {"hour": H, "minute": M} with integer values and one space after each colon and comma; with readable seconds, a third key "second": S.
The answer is {"hour": 4, "minute": 39}
